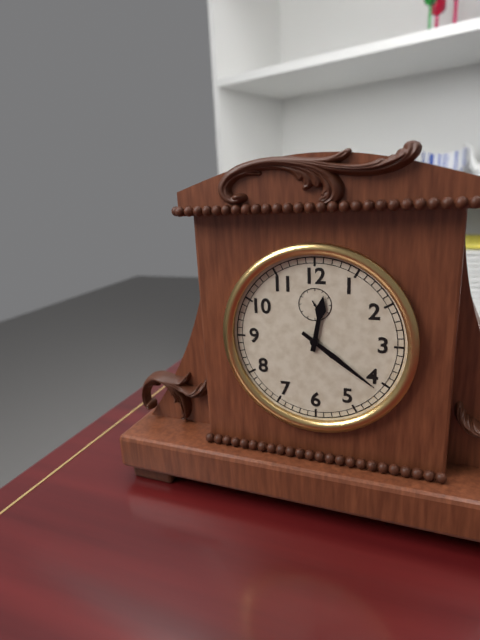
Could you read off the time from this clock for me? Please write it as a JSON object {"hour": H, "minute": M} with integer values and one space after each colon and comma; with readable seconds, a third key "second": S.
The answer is {"hour": 12, "minute": 21}
